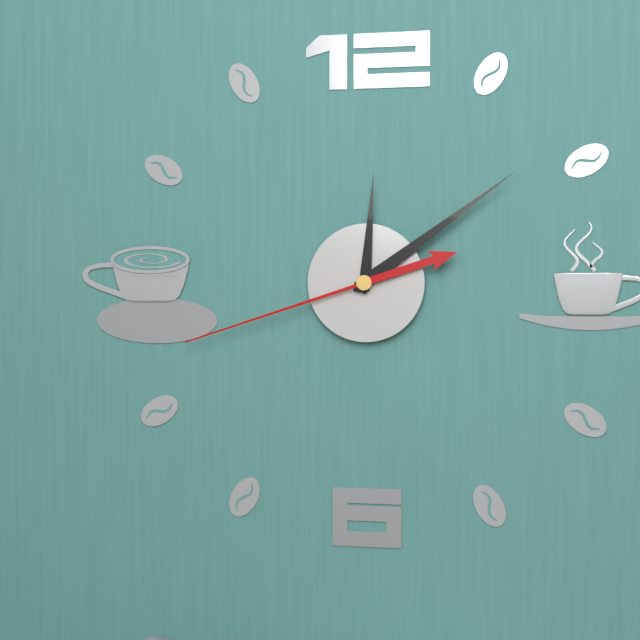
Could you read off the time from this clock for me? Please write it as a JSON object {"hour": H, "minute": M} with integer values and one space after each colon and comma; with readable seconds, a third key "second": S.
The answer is {"hour": 12, "minute": 9, "second": 42}
